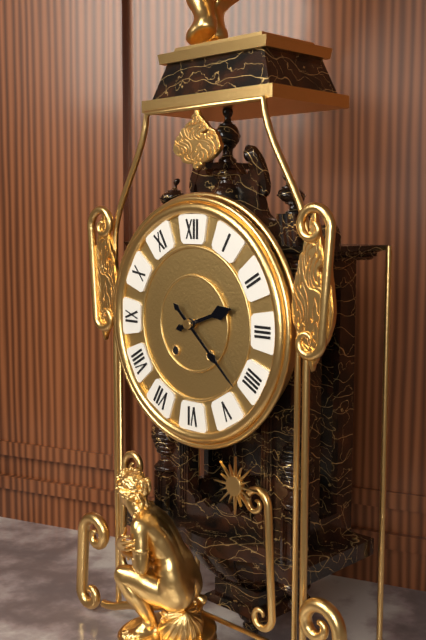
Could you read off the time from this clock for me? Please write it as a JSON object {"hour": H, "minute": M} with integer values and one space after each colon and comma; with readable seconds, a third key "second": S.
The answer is {"hour": 2, "minute": 22}
